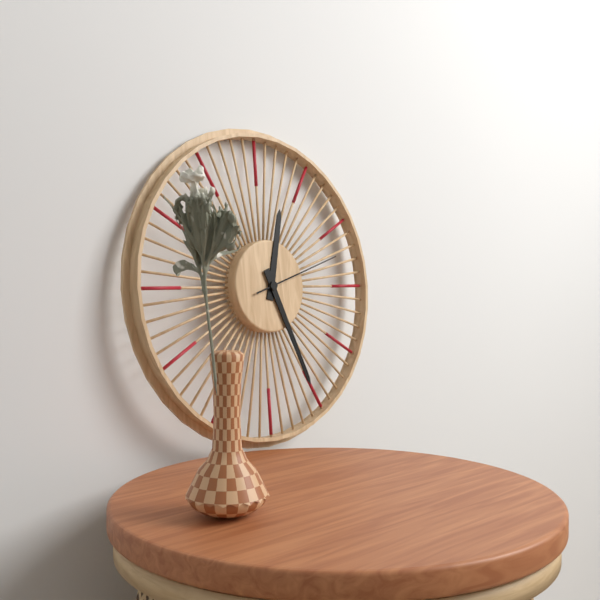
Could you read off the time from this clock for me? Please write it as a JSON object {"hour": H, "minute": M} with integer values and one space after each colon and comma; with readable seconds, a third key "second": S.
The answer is {"hour": 12, "minute": 26, "second": 12}
